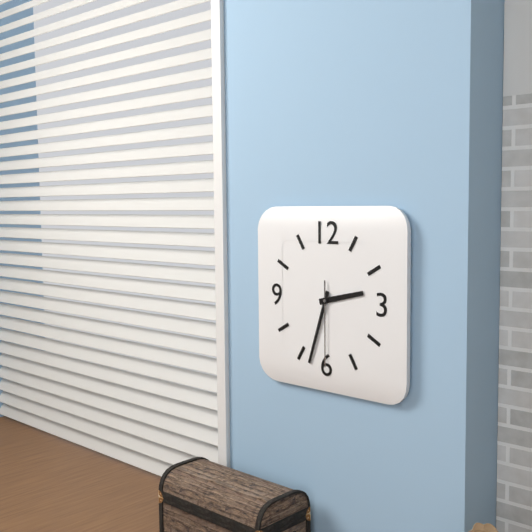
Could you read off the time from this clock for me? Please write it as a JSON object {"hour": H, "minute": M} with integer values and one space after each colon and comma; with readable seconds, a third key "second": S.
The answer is {"hour": 2, "minute": 33, "second": 30}
